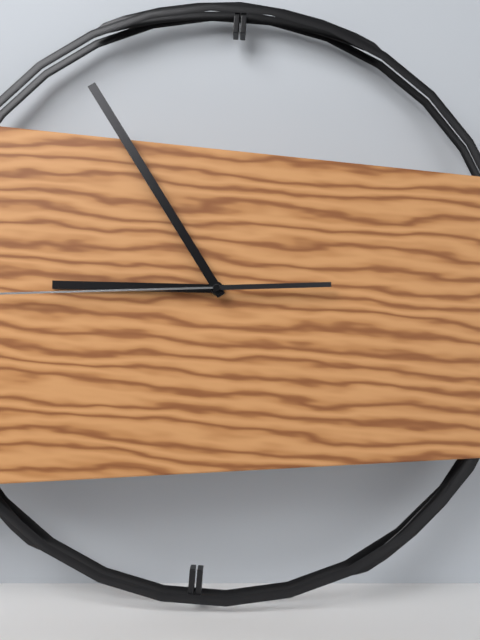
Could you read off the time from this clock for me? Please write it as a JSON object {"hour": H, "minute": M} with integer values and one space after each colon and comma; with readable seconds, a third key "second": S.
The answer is {"hour": 8, "minute": 54}
